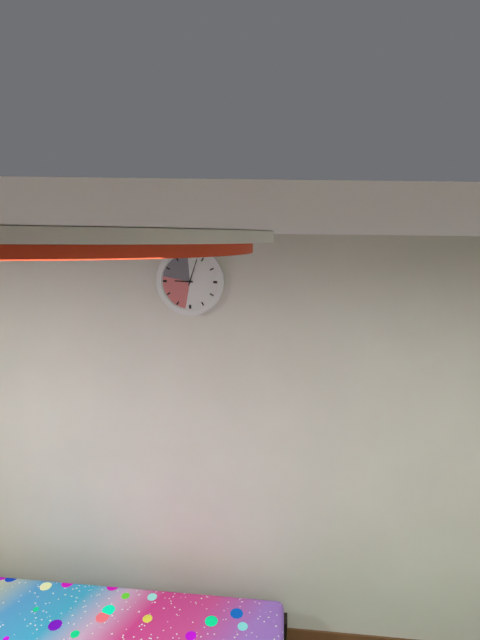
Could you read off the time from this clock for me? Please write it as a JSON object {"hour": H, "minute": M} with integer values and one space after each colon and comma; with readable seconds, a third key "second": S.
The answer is {"hour": 9, "minute": 3}
